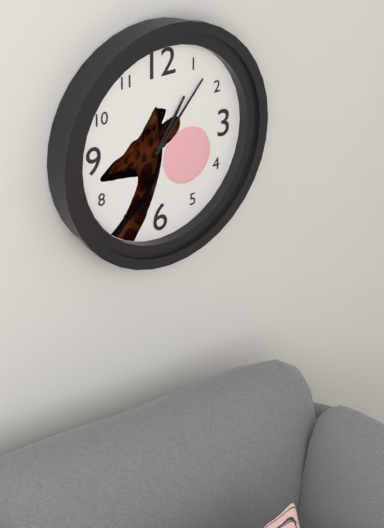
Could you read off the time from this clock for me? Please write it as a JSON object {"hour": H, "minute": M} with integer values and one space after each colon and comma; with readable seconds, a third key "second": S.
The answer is {"hour": 1, "minute": 7}
